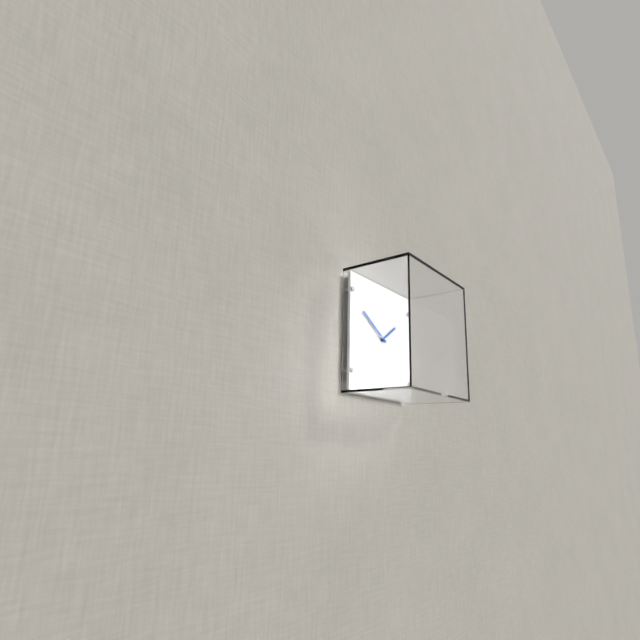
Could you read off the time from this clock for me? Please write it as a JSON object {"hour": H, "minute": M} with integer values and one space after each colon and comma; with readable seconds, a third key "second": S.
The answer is {"hour": 1, "minute": 50}
